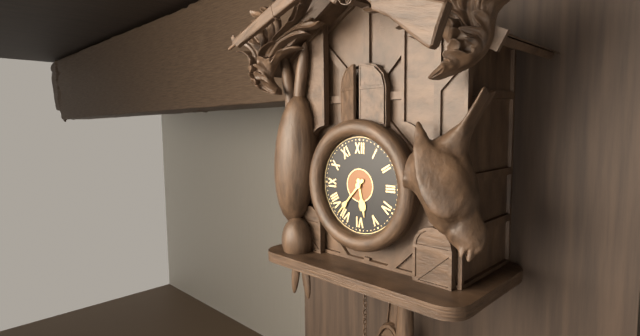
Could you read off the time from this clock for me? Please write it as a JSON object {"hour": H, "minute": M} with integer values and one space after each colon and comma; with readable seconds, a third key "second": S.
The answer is {"hour": 5, "minute": 37}
